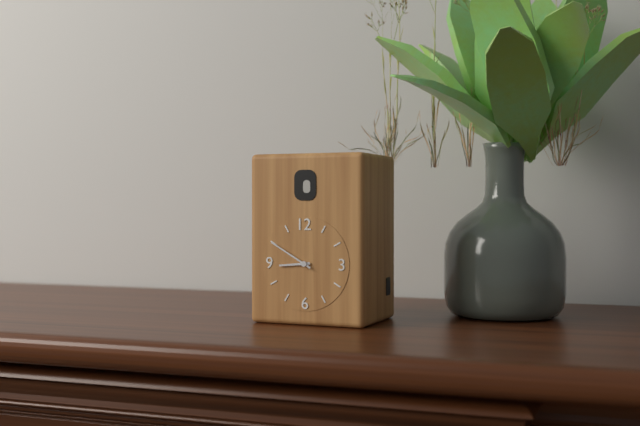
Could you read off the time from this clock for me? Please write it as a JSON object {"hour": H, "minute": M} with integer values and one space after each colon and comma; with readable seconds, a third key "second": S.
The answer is {"hour": 8, "minute": 50}
